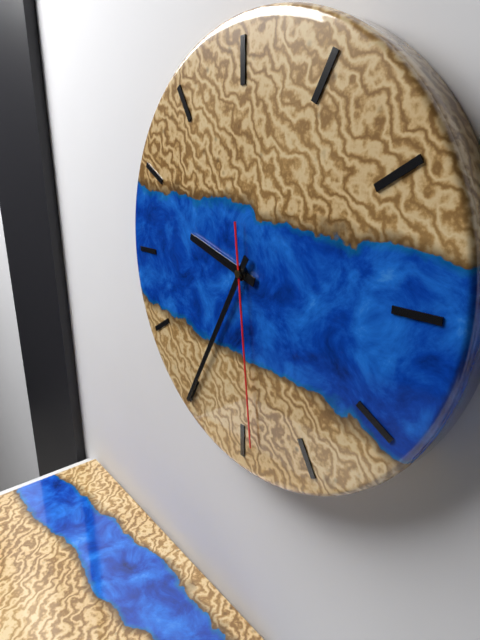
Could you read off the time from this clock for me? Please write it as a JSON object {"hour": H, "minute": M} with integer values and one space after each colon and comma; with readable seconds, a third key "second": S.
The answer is {"hour": 9, "minute": 35, "second": 29}
